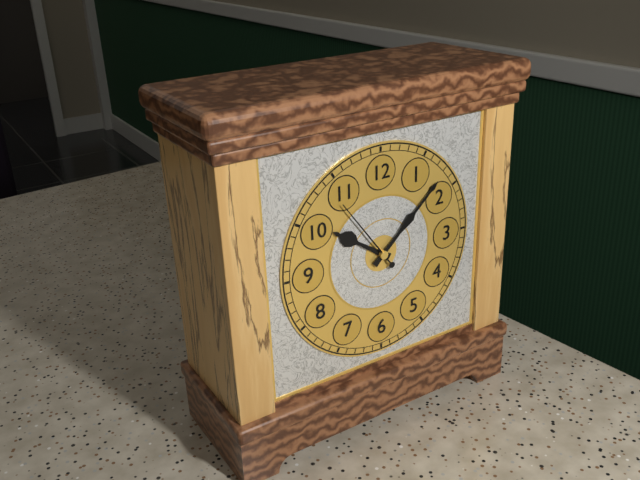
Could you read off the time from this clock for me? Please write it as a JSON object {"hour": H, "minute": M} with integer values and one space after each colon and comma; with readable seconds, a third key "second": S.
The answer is {"hour": 10, "minute": 8, "second": 54}
